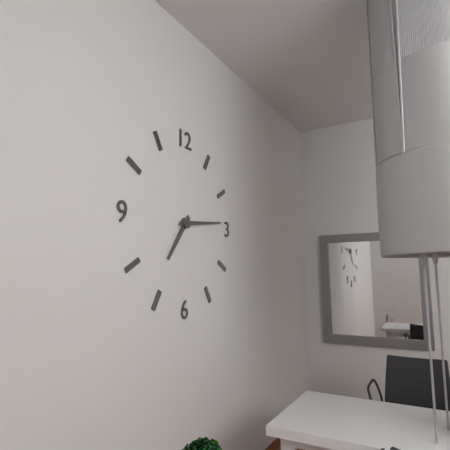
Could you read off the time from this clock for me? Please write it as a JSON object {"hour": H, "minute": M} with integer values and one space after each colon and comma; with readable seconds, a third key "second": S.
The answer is {"hour": 7, "minute": 14}
